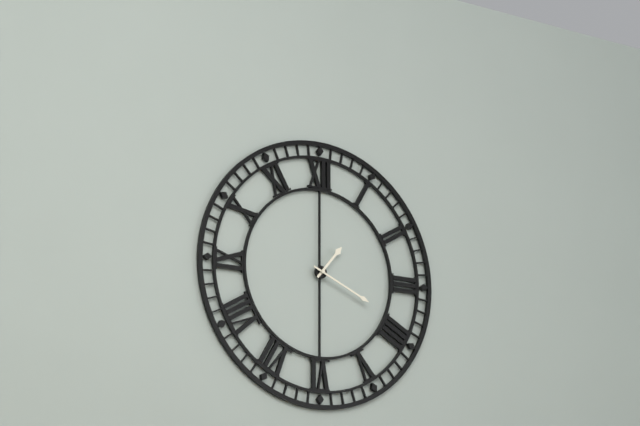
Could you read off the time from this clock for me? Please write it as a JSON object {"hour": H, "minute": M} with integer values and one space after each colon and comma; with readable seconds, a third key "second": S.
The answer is {"hour": 1, "minute": 19}
